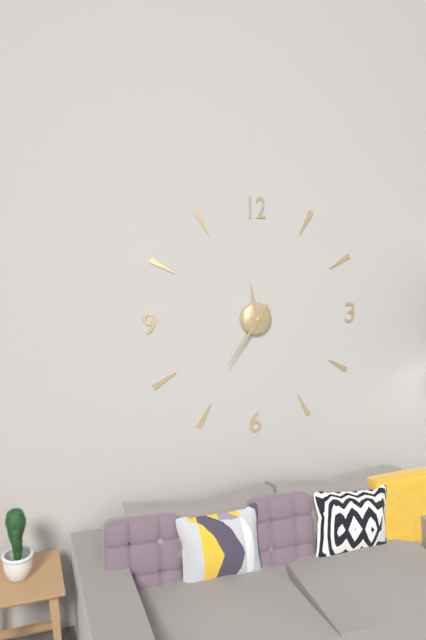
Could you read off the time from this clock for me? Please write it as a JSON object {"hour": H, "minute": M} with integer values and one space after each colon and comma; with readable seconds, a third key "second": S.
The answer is {"hour": 11, "minute": 36}
